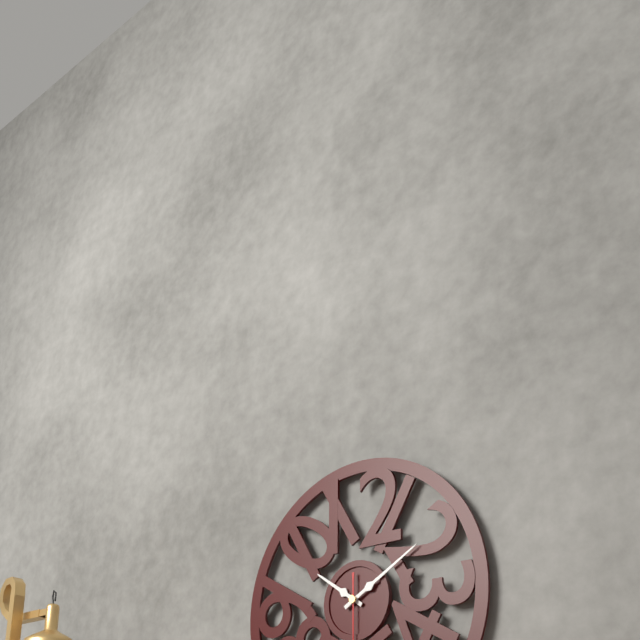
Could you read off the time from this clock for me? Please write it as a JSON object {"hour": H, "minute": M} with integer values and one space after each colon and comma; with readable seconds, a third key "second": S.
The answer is {"hour": 10, "minute": 10}
